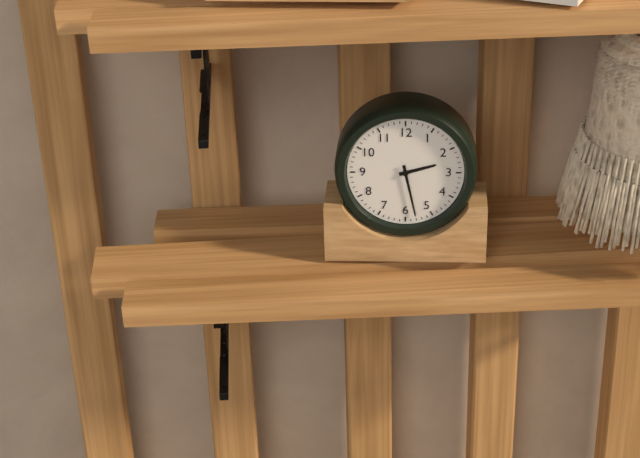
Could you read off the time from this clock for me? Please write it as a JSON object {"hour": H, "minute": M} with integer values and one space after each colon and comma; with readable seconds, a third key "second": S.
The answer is {"hour": 2, "minute": 28}
